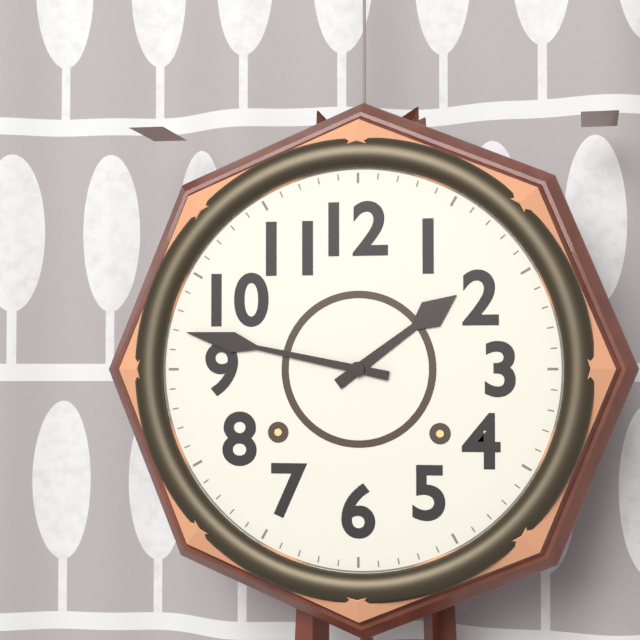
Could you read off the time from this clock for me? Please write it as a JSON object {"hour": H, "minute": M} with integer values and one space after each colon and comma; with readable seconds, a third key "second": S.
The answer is {"hour": 1, "minute": 47}
